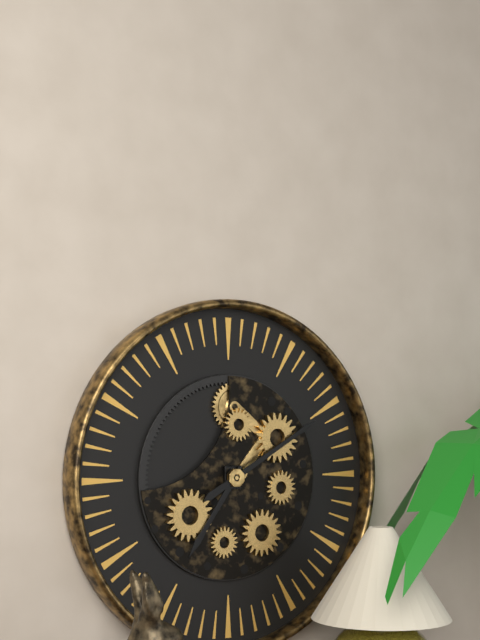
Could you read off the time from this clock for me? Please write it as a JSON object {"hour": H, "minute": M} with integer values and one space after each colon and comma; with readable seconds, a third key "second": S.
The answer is {"hour": 7, "minute": 10}
